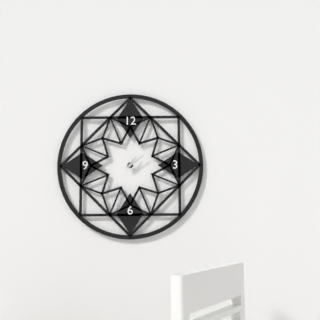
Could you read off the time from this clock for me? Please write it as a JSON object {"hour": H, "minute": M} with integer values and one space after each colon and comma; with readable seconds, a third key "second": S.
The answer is {"hour": 1, "minute": 9}
